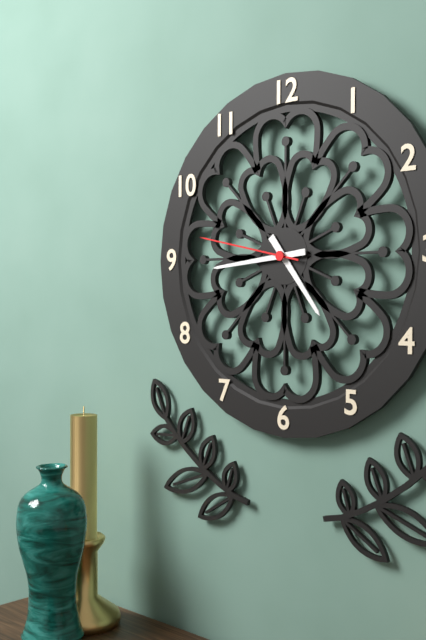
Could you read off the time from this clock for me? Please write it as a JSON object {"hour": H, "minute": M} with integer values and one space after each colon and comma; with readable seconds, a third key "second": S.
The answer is {"hour": 4, "minute": 44, "second": 47}
